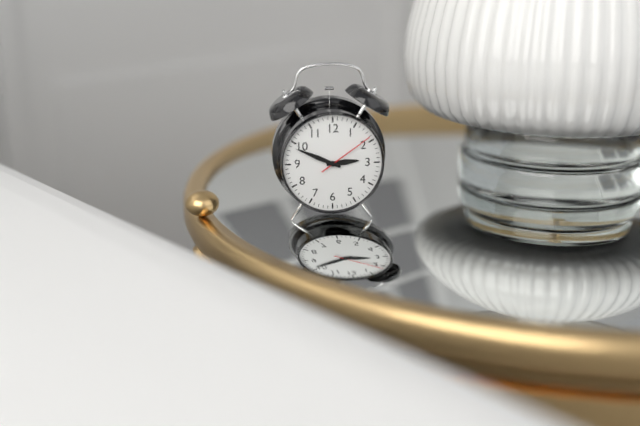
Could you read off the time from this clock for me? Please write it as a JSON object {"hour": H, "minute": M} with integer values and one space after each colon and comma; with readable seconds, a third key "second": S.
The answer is {"hour": 2, "minute": 49, "second": 9}
